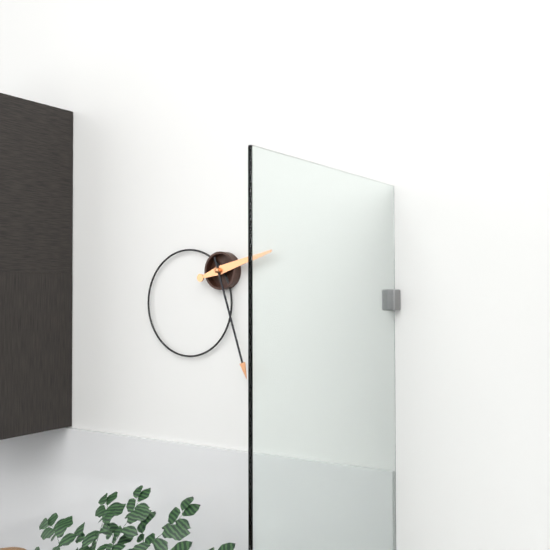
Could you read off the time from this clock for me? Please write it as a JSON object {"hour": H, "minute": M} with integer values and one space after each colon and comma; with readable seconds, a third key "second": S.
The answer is {"hour": 2, "minute": 27}
